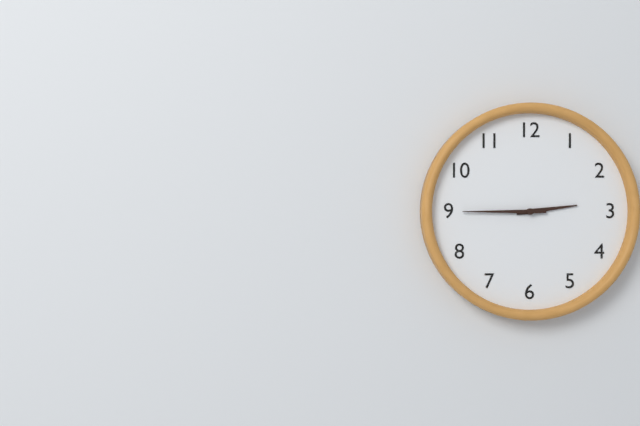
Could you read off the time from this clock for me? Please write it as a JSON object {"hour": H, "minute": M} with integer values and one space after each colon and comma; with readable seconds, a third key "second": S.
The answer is {"hour": 2, "minute": 45}
